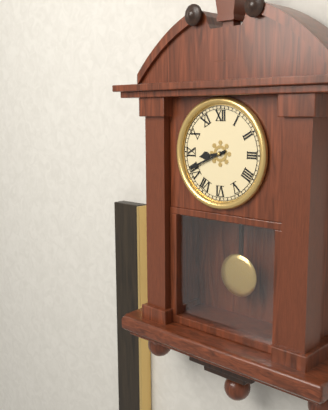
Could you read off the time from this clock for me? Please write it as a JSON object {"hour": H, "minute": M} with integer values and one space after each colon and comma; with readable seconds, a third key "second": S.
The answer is {"hour": 8, "minute": 41}
